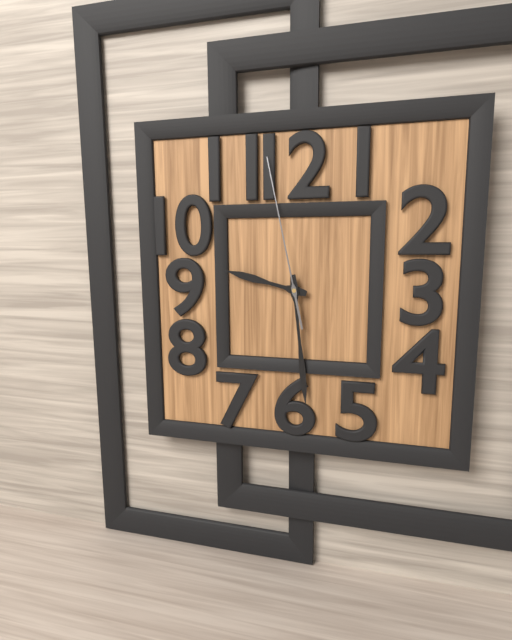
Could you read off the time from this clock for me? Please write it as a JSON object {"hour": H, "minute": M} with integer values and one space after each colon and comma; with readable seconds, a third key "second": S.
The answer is {"hour": 9, "minute": 29, "second": 58}
